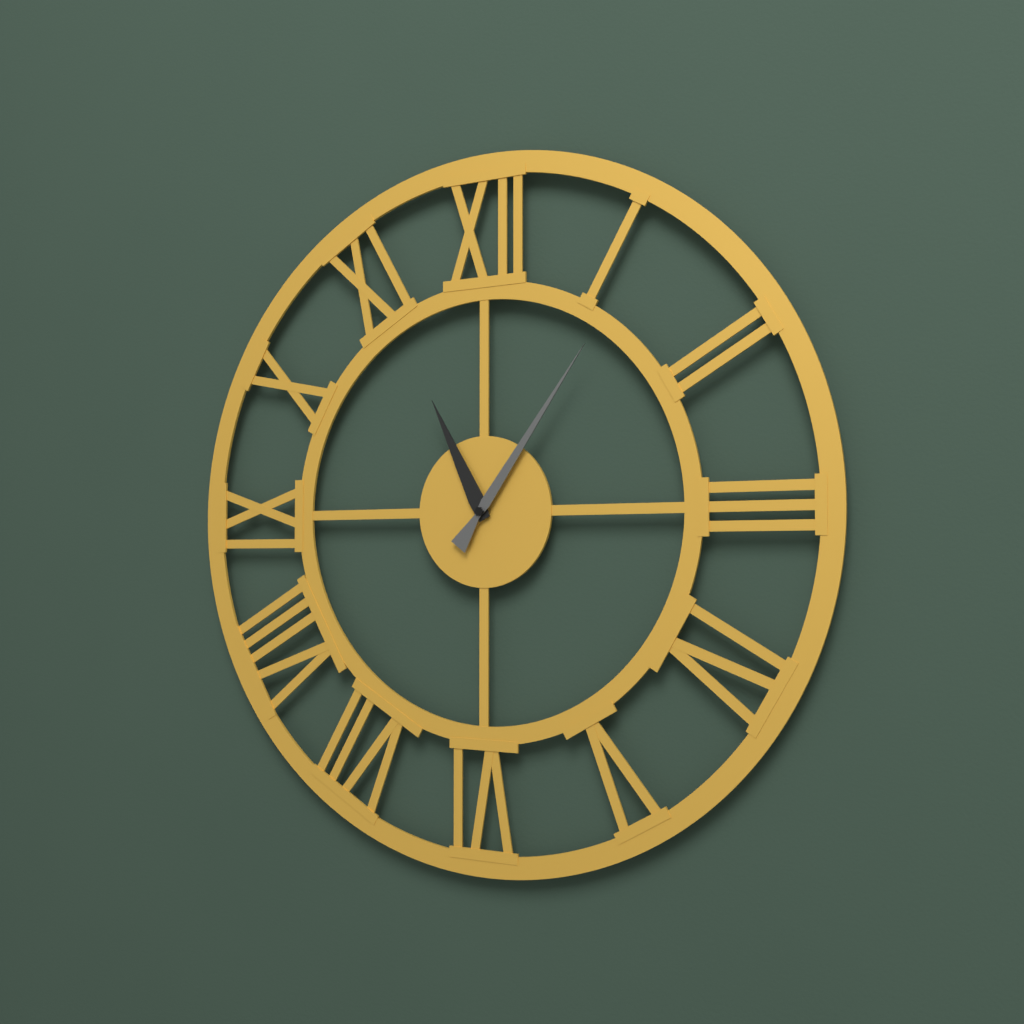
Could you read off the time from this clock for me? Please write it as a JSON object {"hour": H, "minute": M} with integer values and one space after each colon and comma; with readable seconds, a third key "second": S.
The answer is {"hour": 11, "minute": 6}
